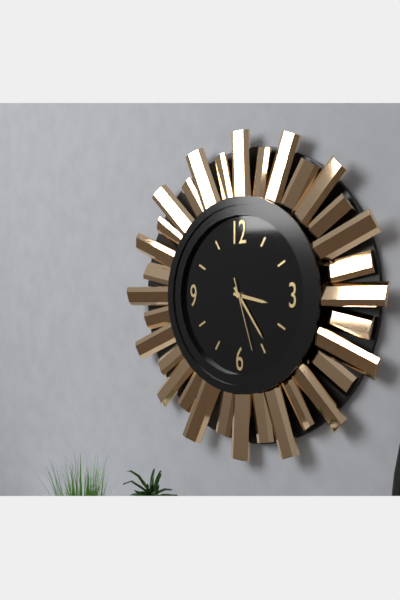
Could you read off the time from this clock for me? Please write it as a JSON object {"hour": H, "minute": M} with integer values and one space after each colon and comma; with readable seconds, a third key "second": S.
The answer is {"hour": 3, "minute": 24, "second": 27}
